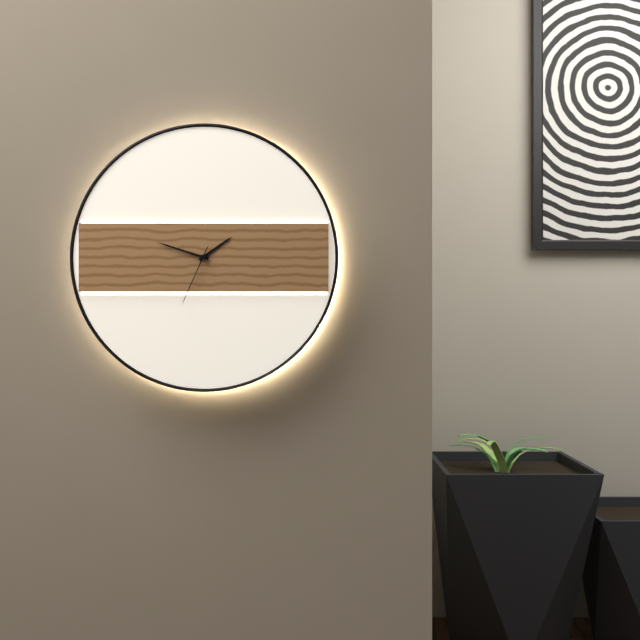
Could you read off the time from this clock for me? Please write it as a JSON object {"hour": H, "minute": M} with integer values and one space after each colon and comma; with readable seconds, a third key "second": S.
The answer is {"hour": 1, "minute": 48, "second": 34}
